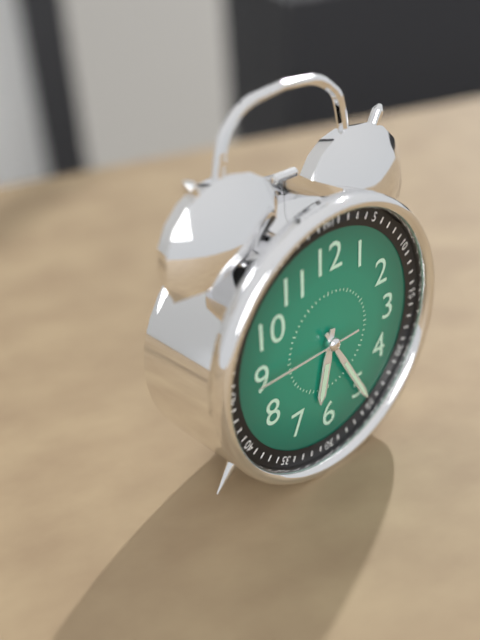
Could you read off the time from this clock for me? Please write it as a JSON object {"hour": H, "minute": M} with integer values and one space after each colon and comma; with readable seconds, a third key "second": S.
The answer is {"hour": 6, "minute": 25, "second": 45}
